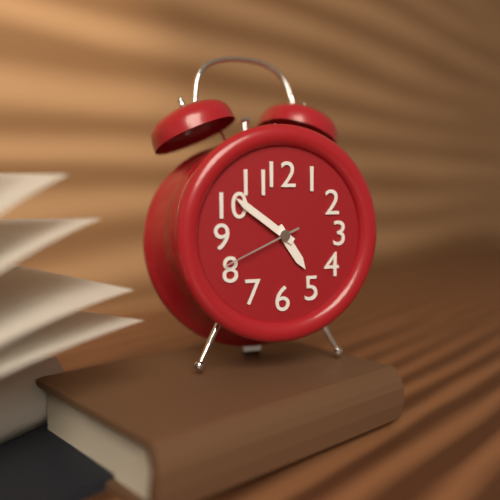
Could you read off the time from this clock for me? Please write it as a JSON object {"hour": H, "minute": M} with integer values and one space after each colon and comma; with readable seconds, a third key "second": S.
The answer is {"hour": 4, "minute": 51, "second": 41}
